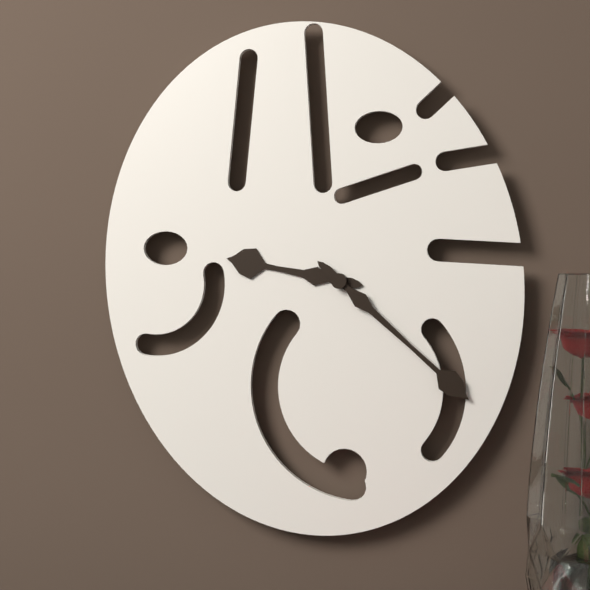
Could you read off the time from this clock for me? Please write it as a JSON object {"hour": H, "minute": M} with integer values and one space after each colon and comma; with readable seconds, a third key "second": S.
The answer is {"hour": 9, "minute": 22}
